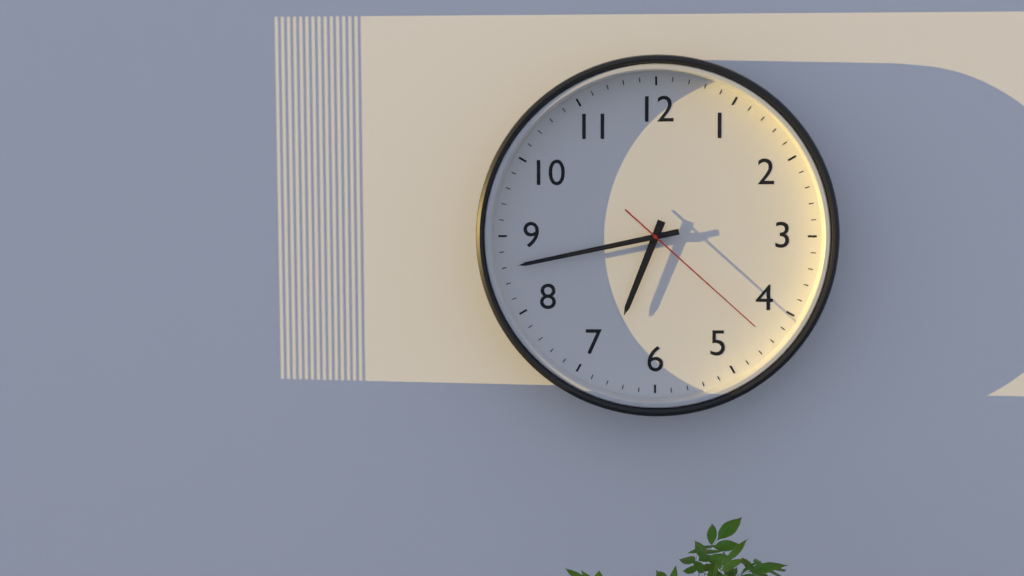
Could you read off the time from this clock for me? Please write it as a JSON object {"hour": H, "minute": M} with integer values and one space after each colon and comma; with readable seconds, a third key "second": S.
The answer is {"hour": 6, "minute": 43, "second": 22}
